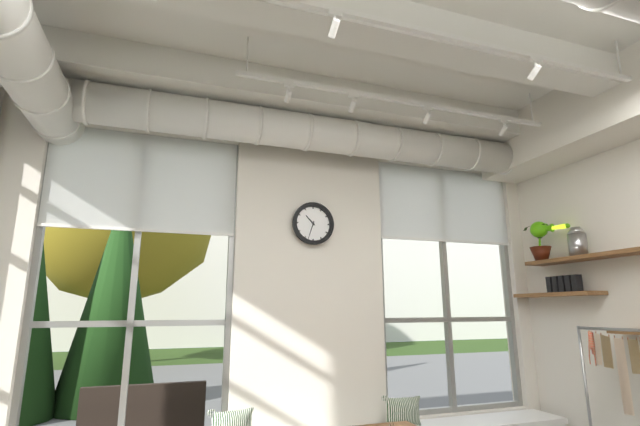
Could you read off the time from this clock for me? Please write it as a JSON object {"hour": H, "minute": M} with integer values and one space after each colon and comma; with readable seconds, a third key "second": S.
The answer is {"hour": 10, "minute": 33}
